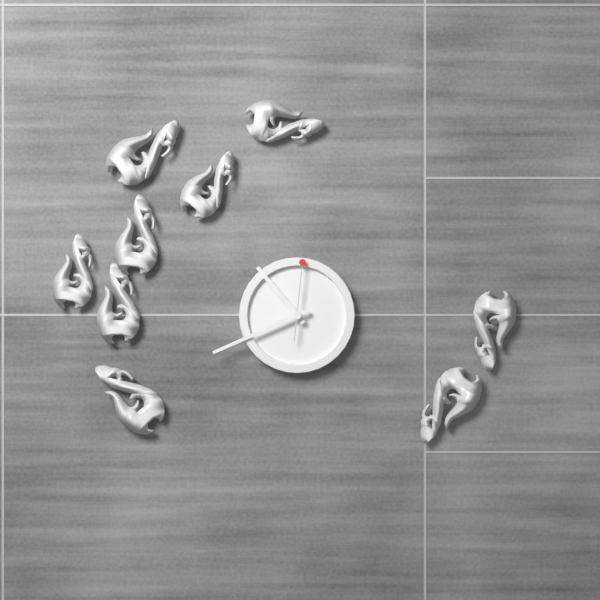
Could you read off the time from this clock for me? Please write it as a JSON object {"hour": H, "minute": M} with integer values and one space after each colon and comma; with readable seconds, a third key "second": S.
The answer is {"hour": 10, "minute": 41, "second": 1}
